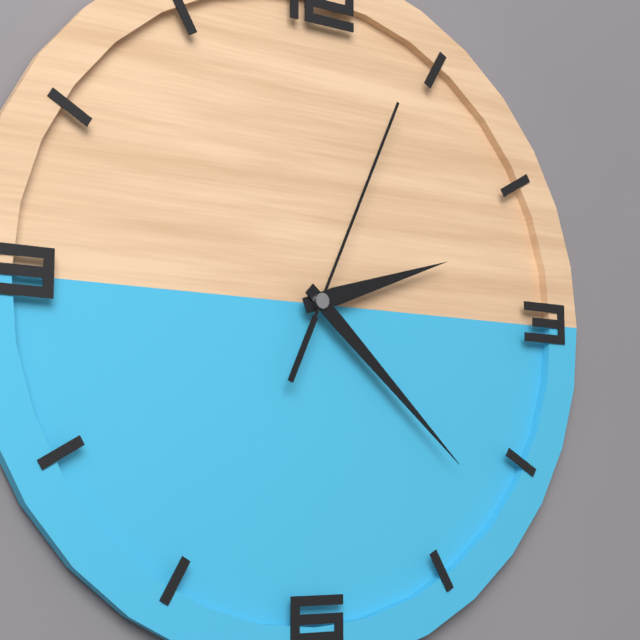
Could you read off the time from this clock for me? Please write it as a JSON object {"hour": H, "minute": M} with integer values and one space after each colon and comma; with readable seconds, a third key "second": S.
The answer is {"hour": 2, "minute": 22, "second": 4}
